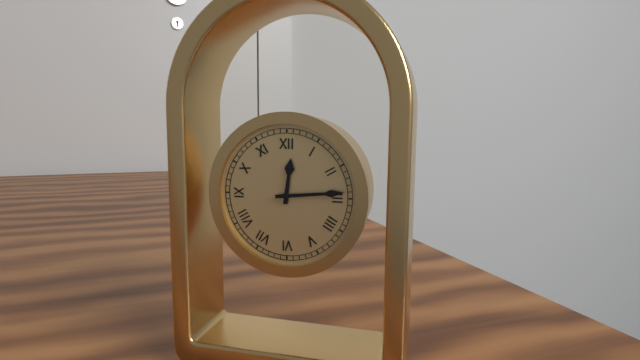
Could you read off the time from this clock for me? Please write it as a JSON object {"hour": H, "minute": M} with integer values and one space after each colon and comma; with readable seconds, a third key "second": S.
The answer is {"hour": 12, "minute": 14}
